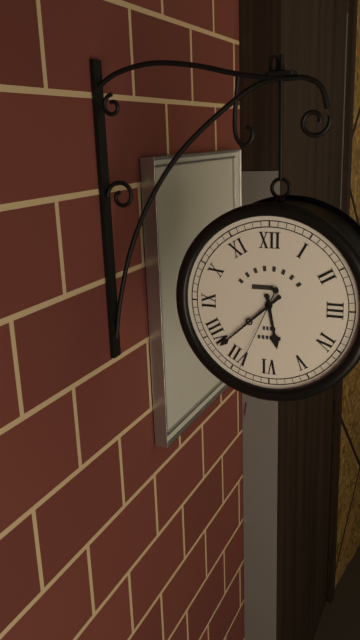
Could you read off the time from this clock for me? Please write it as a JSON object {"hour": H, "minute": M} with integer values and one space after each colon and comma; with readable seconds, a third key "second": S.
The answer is {"hour": 5, "minute": 38, "second": 34}
